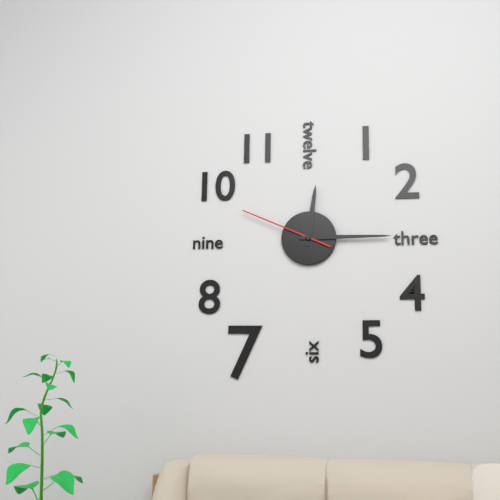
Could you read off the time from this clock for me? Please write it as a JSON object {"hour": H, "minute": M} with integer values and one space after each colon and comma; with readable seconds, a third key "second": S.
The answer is {"hour": 12, "minute": 15, "second": 49}
